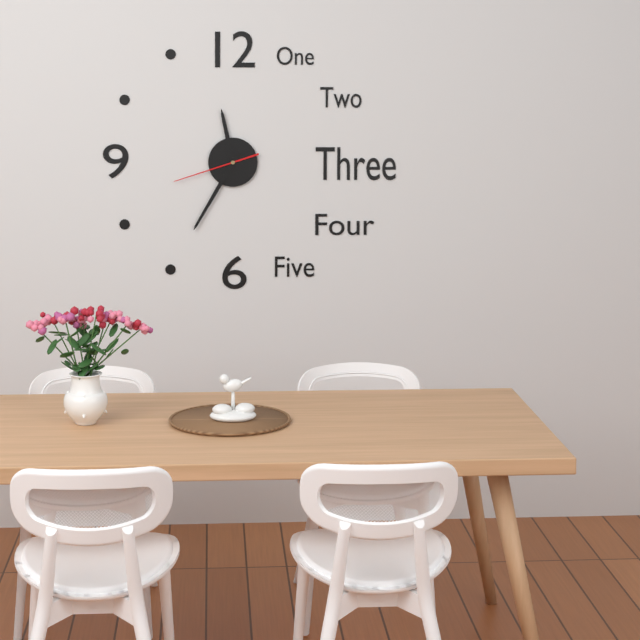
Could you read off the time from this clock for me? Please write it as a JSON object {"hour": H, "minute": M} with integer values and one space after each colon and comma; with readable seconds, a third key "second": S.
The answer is {"hour": 11, "minute": 35, "second": 42}
